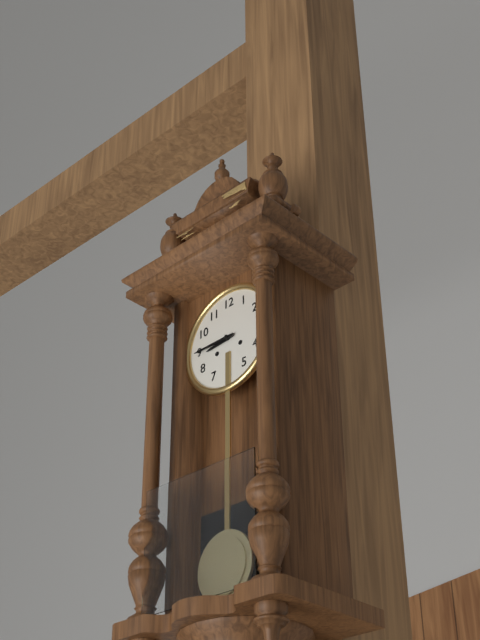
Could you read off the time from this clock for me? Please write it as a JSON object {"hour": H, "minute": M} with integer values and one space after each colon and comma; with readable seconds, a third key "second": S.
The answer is {"hour": 8, "minute": 45}
